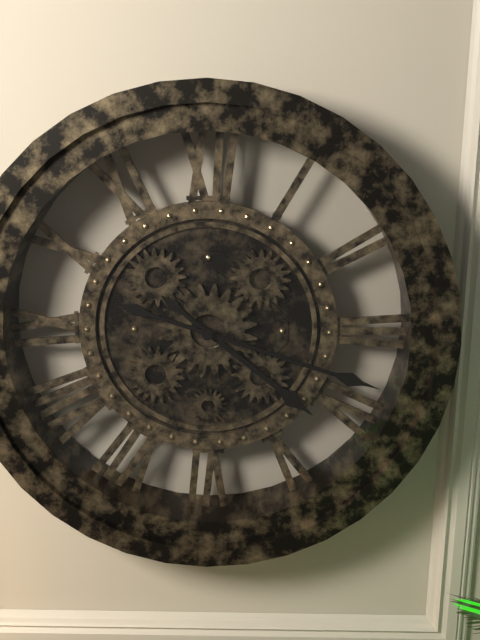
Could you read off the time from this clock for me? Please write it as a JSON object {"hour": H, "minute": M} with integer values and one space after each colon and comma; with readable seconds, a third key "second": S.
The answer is {"hour": 4, "minute": 18}
